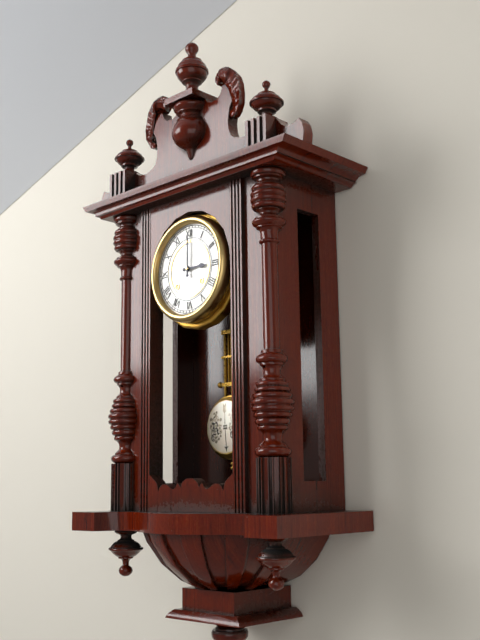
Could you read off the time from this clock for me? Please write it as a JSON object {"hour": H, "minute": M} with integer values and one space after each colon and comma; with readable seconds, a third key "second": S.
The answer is {"hour": 3, "minute": 0}
